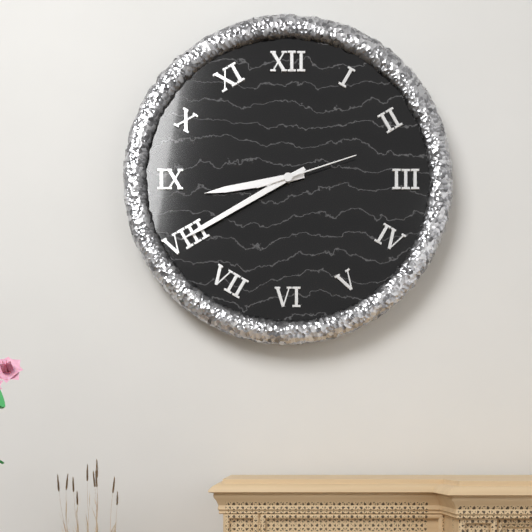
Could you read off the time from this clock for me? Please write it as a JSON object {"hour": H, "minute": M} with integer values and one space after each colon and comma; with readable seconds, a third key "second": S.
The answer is {"hour": 8, "minute": 40, "second": 12}
